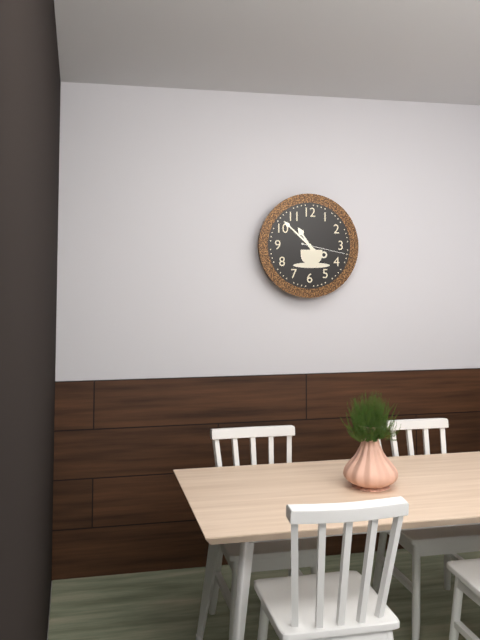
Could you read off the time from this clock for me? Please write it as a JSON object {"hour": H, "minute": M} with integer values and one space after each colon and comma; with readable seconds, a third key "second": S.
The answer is {"hour": 10, "minute": 52}
